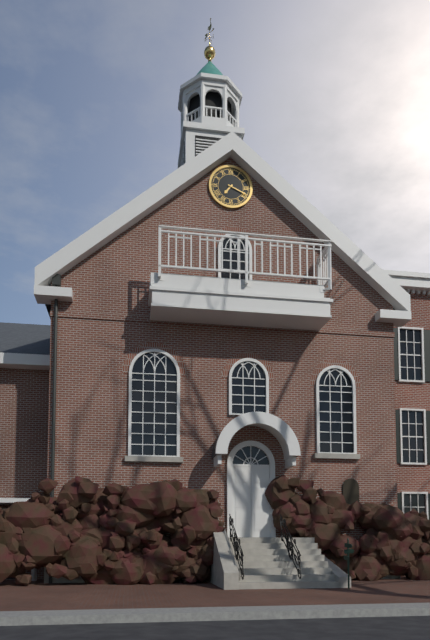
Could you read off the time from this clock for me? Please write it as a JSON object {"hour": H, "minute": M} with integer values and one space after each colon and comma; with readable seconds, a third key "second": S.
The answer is {"hour": 7, "minute": 19}
